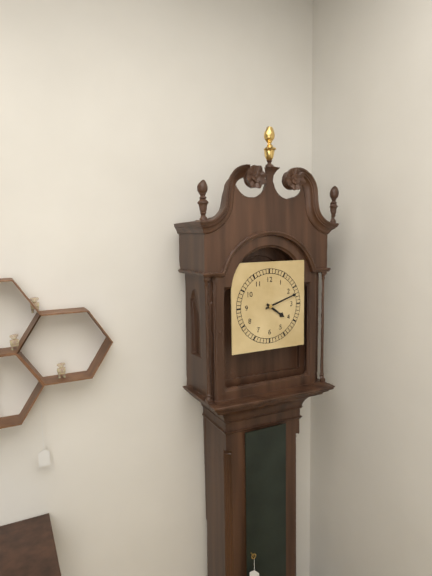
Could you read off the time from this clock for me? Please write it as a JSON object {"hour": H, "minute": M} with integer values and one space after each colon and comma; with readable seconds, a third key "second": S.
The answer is {"hour": 4, "minute": 12}
